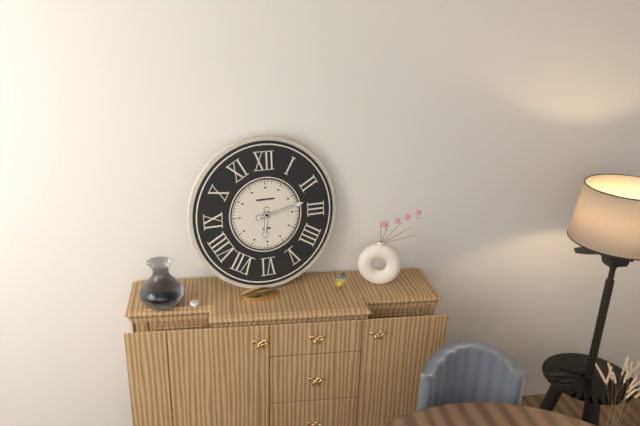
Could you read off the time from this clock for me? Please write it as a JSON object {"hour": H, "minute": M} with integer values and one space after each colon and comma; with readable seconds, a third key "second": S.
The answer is {"hour": 6, "minute": 13}
